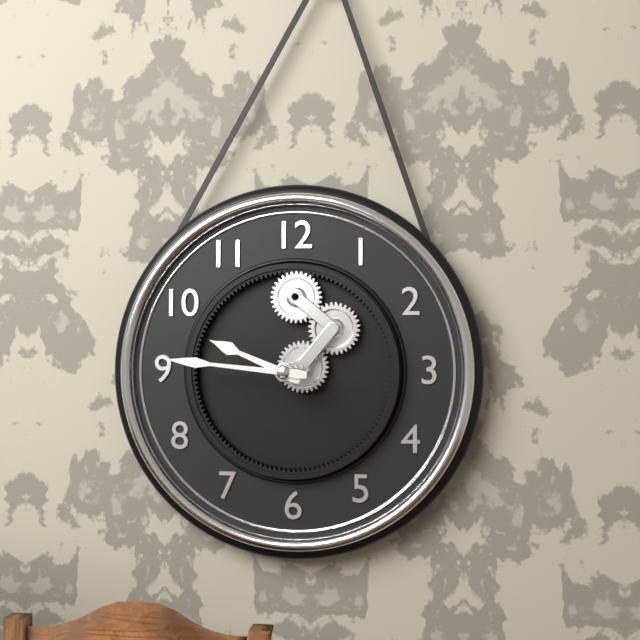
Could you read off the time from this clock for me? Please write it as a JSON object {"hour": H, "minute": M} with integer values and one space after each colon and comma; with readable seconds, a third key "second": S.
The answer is {"hour": 9, "minute": 46}
